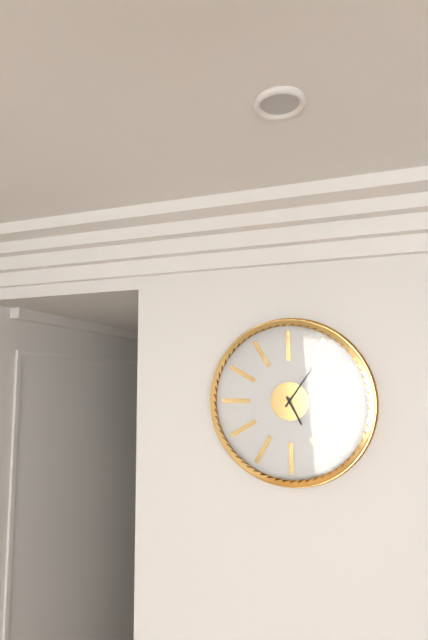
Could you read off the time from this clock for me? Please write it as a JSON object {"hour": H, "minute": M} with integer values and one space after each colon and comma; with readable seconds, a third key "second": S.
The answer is {"hour": 5, "minute": 6}
